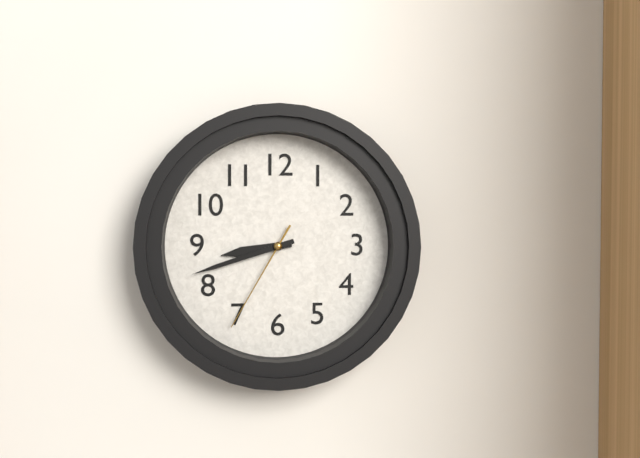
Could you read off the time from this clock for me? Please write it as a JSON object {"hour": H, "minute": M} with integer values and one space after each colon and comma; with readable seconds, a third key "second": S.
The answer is {"hour": 8, "minute": 42, "second": 35}
